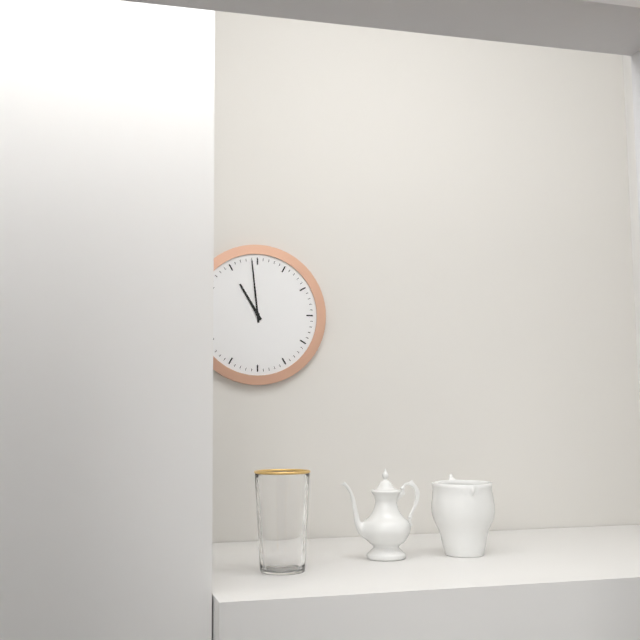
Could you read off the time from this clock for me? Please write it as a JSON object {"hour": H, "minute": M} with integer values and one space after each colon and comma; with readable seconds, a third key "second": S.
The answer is {"hour": 10, "minute": 59}
